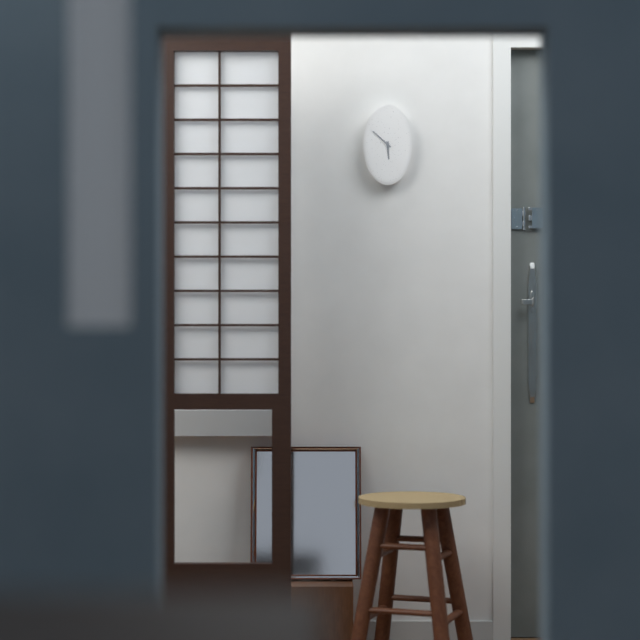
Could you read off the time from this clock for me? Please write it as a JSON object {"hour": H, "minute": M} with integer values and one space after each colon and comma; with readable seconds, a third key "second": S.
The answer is {"hour": 5, "minute": 52}
